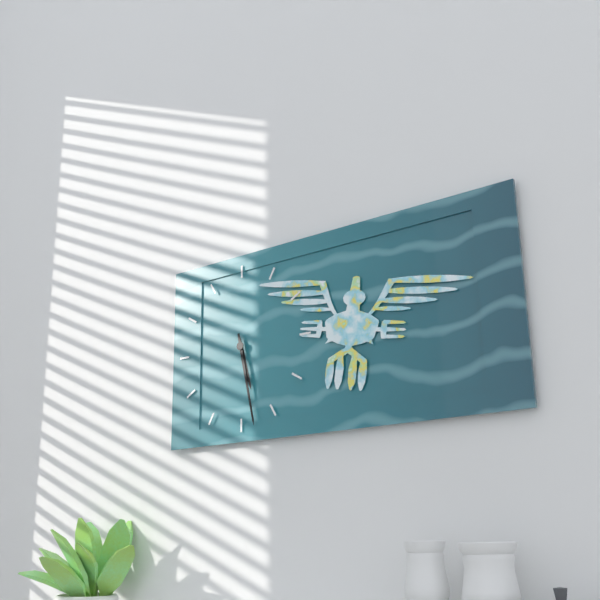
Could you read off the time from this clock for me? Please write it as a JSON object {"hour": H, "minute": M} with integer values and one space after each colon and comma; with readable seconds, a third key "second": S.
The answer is {"hour": 5, "minute": 28}
